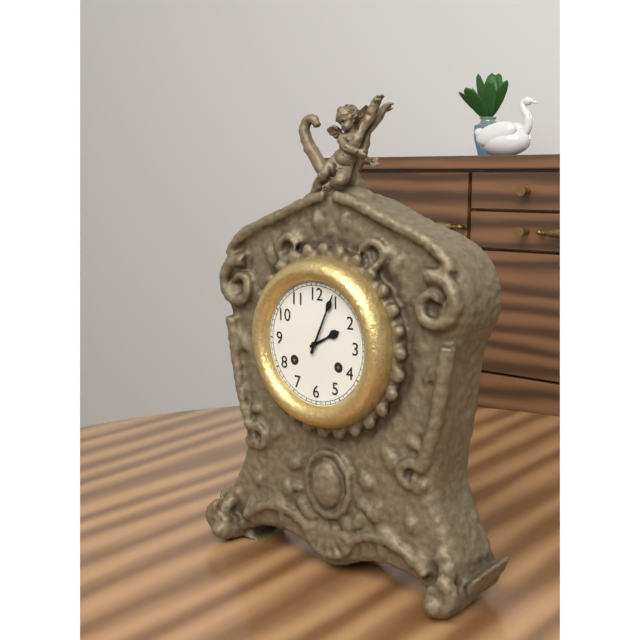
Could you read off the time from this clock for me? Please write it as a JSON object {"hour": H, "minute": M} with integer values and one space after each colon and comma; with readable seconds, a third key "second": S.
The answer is {"hour": 2, "minute": 4}
